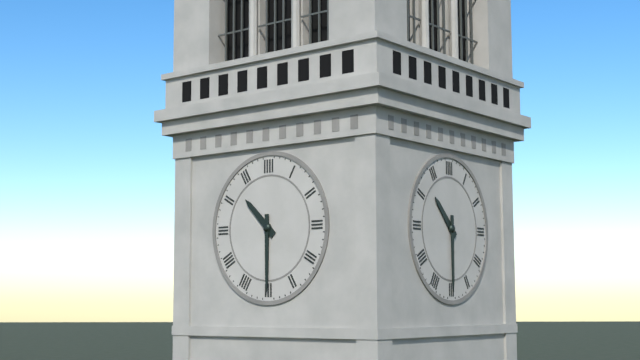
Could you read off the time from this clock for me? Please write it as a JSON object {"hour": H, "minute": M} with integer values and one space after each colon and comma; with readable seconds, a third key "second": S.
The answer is {"hour": 10, "minute": 30}
